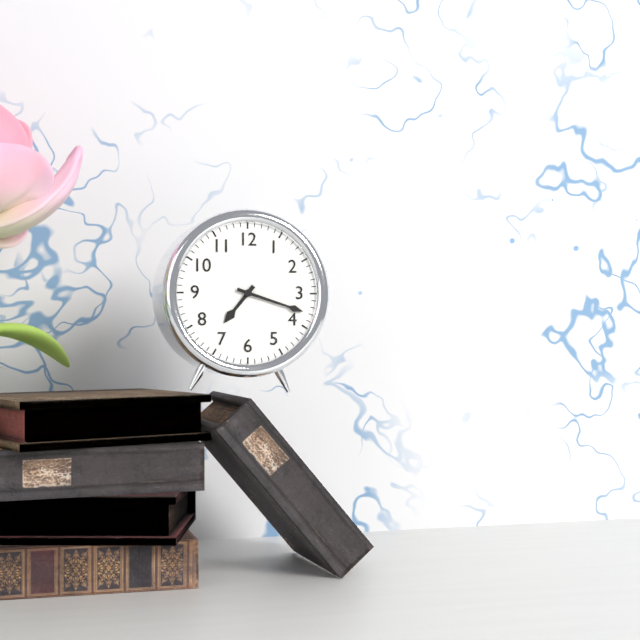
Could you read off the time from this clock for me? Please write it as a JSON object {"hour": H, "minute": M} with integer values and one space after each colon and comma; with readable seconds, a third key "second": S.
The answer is {"hour": 7, "minute": 18}
